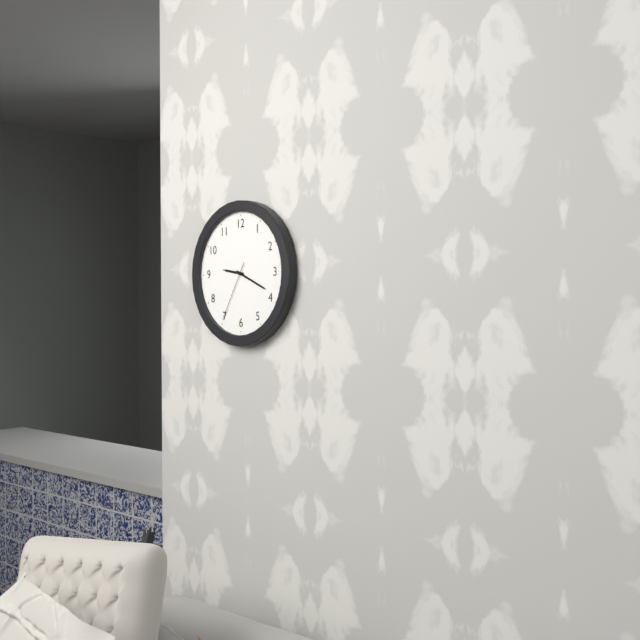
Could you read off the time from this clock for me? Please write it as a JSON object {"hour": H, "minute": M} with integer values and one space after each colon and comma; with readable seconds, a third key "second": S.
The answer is {"hour": 9, "minute": 19, "second": 35}
